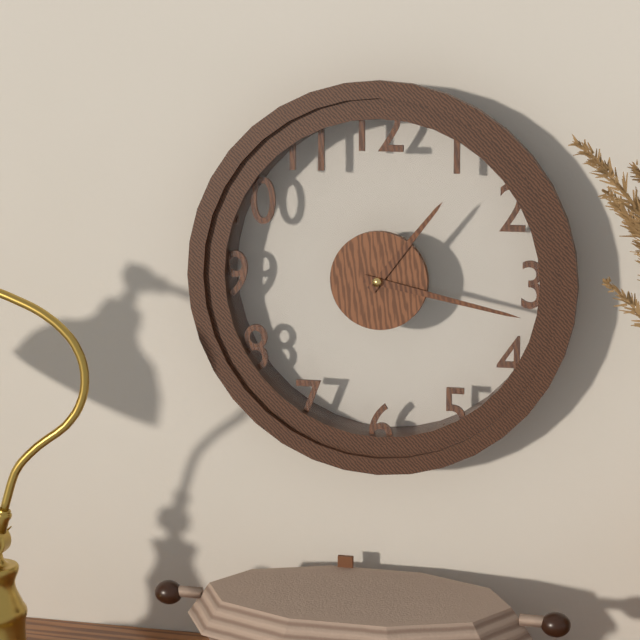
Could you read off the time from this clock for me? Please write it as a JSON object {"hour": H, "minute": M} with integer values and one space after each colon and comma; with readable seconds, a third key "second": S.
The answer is {"hour": 1, "minute": 17}
